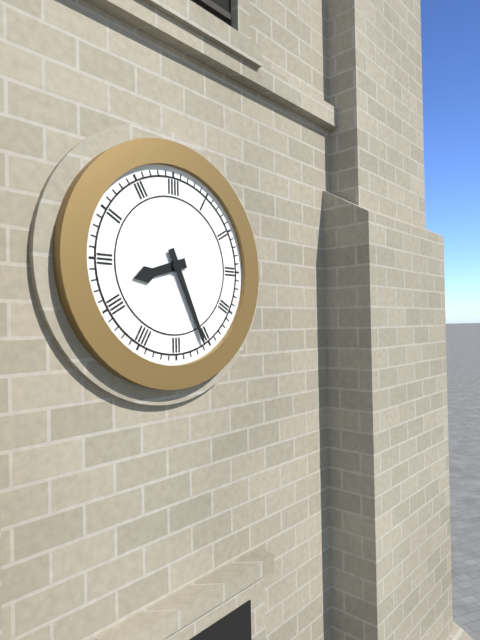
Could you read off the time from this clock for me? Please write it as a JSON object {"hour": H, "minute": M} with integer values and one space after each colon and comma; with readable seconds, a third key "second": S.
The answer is {"hour": 8, "minute": 26}
